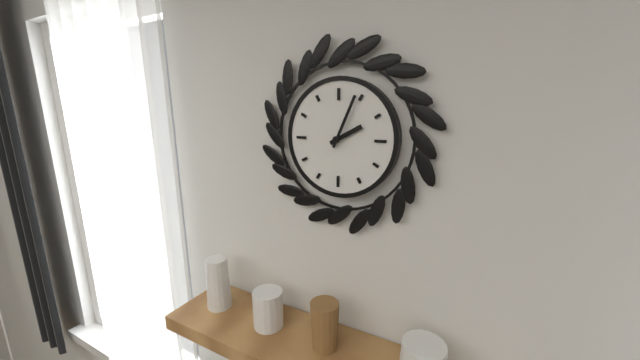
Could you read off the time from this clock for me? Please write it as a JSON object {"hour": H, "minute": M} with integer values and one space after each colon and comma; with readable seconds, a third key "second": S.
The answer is {"hour": 2, "minute": 4}
